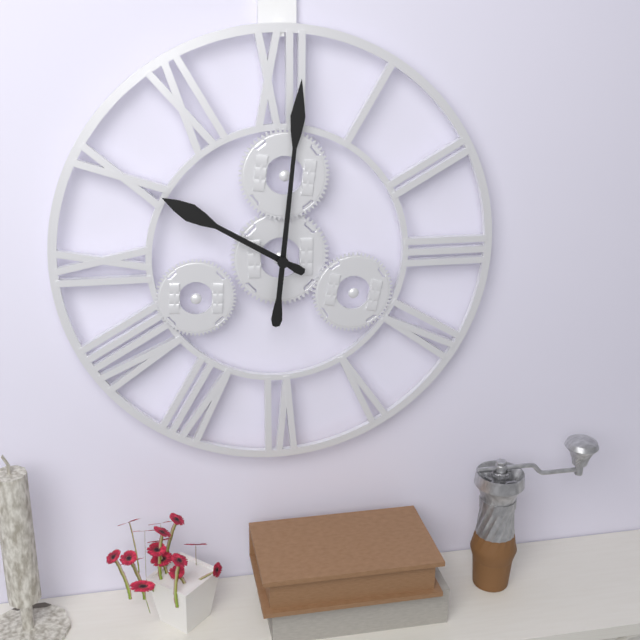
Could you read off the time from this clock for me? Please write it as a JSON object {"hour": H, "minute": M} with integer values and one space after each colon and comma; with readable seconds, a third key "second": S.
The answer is {"hour": 10, "minute": 1}
